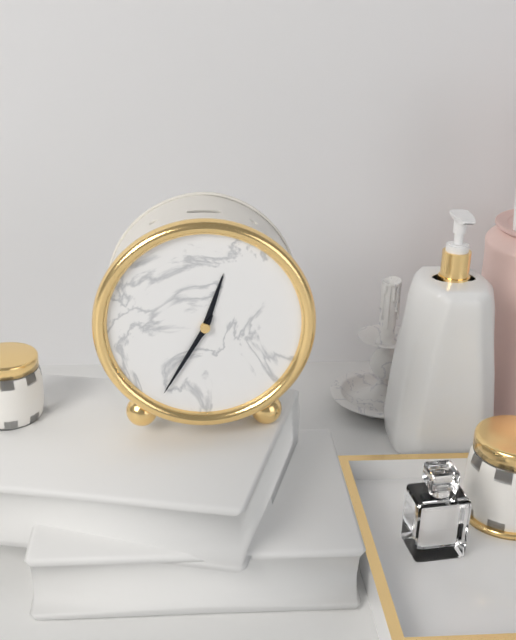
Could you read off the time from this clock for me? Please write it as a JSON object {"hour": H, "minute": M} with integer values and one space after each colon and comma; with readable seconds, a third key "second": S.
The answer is {"hour": 12, "minute": 35}
